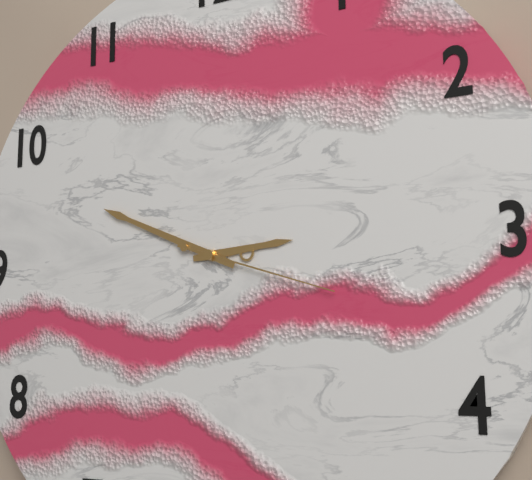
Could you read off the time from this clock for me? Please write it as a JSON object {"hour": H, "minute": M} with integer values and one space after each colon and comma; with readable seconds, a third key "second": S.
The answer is {"hour": 2, "minute": 49, "second": 18}
